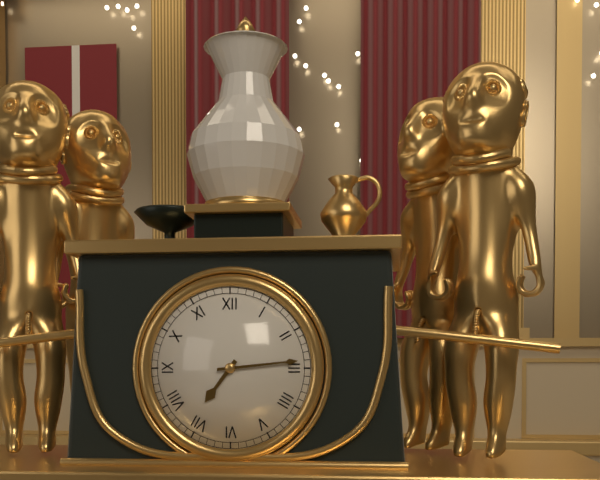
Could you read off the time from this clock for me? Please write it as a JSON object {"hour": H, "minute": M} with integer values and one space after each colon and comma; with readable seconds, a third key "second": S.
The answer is {"hour": 7, "minute": 14}
